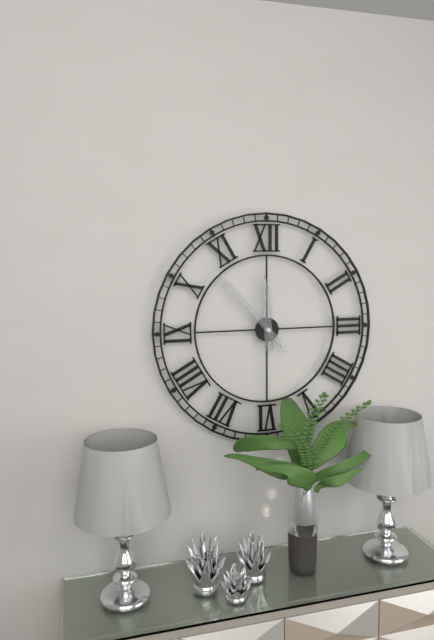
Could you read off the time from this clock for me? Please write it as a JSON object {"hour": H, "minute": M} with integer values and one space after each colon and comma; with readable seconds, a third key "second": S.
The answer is {"hour": 11, "minute": 53}
